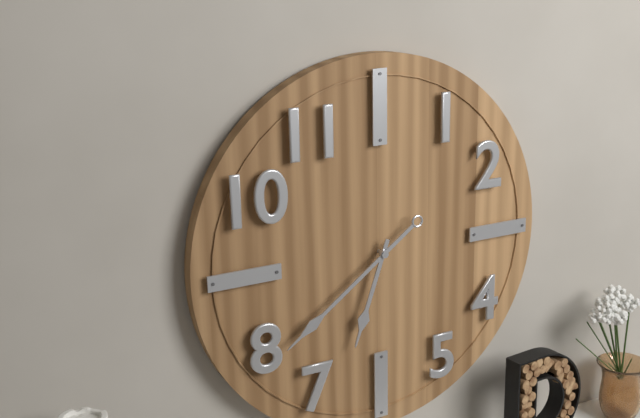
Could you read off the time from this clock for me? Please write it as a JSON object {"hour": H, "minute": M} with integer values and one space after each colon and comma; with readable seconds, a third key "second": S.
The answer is {"hour": 6, "minute": 39}
